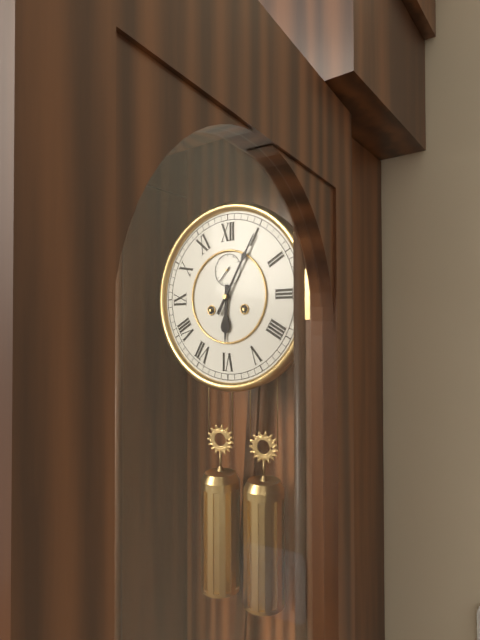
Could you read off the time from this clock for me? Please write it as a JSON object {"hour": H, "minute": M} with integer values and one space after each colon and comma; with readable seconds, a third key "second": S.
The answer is {"hour": 6, "minute": 5}
